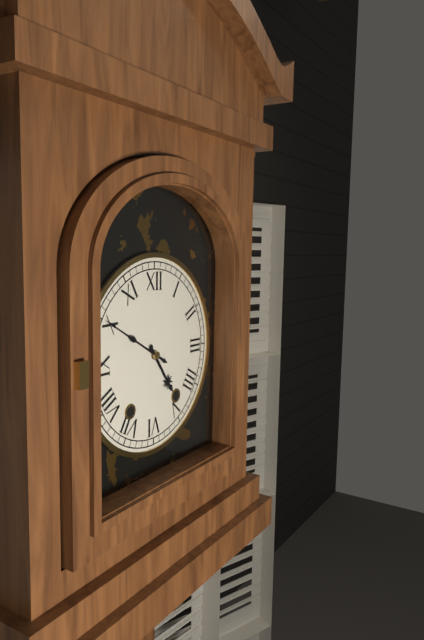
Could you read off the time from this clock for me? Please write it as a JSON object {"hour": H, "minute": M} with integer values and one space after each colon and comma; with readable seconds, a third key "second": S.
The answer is {"hour": 4, "minute": 50}
